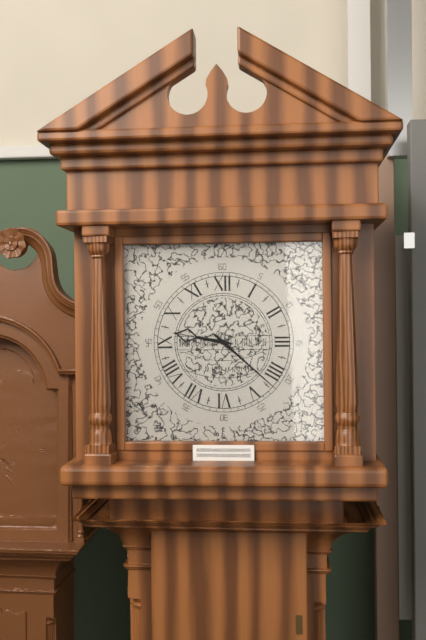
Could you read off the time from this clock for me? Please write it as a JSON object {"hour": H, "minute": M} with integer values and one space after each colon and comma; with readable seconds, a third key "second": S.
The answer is {"hour": 9, "minute": 22}
